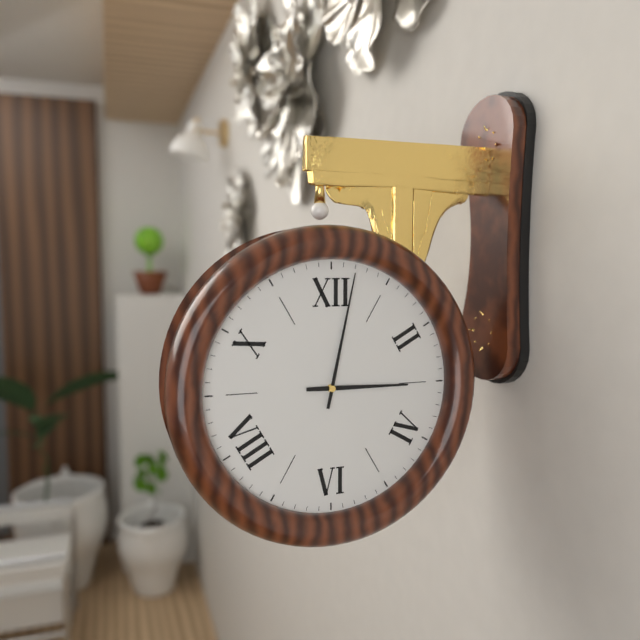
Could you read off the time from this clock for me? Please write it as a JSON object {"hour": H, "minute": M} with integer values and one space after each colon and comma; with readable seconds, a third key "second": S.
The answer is {"hour": 3, "minute": 2}
